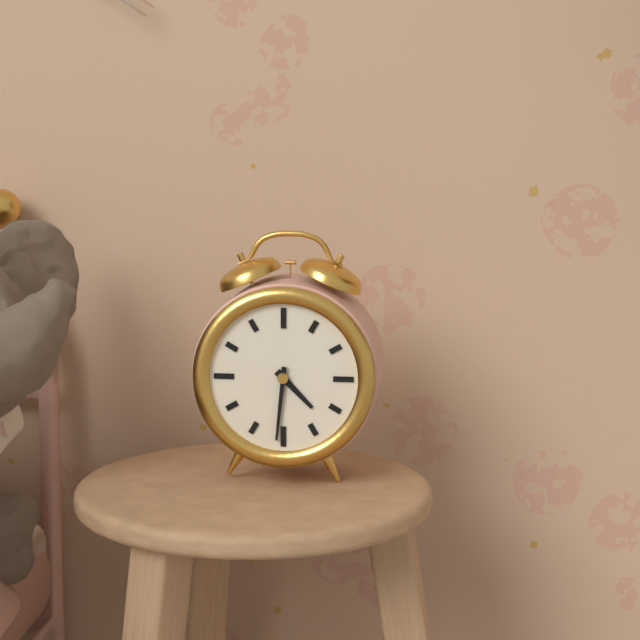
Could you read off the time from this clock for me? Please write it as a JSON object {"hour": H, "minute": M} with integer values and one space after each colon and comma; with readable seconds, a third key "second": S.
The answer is {"hour": 4, "minute": 31}
